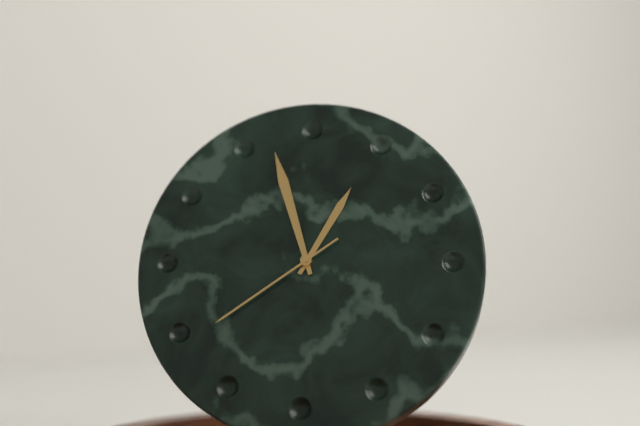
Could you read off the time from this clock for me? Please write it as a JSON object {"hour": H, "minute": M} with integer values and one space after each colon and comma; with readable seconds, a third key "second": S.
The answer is {"hour": 12, "minute": 57, "second": 39}
